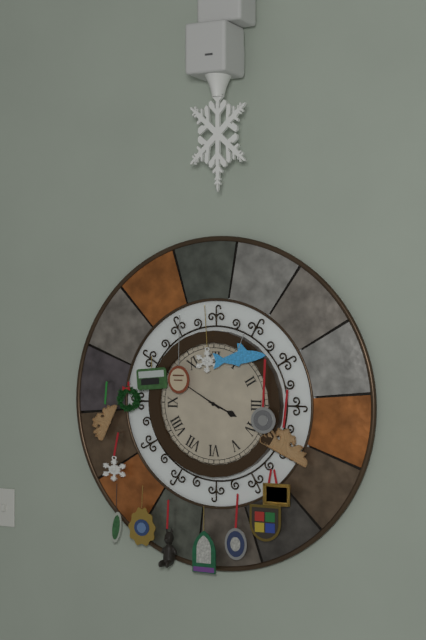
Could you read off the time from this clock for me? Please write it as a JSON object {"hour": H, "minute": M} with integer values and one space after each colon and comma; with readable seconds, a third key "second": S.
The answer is {"hour": 3, "minute": 50}
